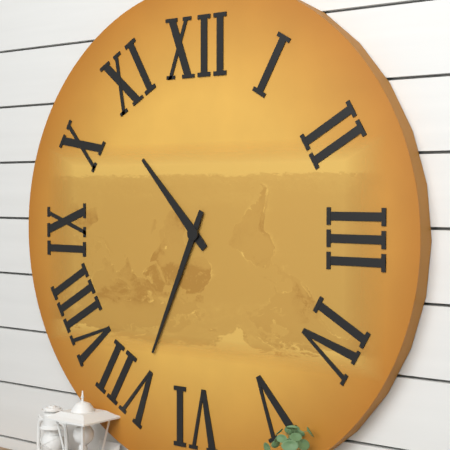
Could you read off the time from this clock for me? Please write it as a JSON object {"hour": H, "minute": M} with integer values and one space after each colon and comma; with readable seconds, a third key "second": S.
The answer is {"hour": 10, "minute": 34}
